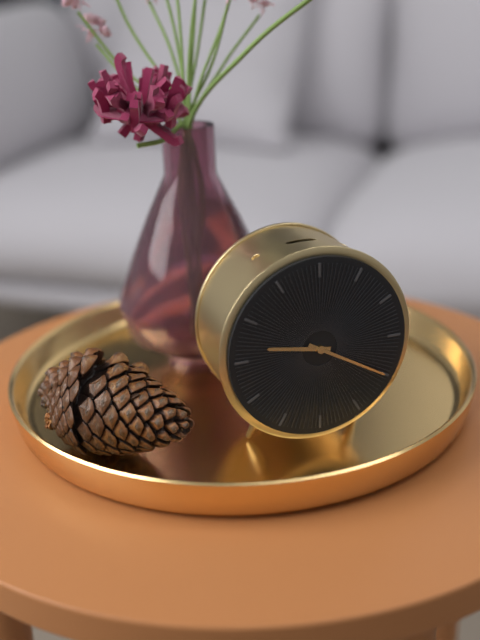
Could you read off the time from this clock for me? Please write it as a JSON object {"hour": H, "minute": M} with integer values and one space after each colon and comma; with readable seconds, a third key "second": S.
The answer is {"hour": 9, "minute": 20}
